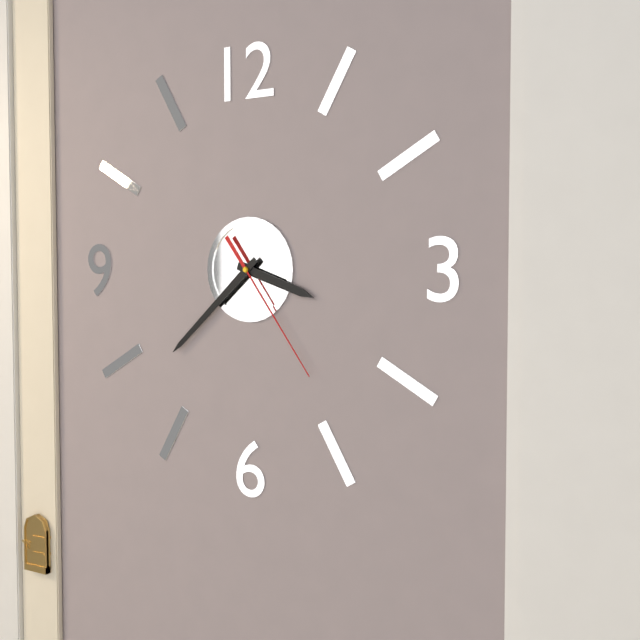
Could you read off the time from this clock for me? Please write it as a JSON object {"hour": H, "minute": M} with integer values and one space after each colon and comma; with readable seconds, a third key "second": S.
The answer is {"hour": 3, "minute": 38, "second": 24}
